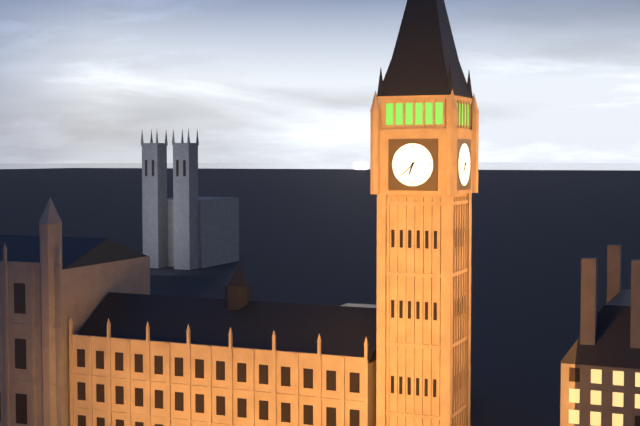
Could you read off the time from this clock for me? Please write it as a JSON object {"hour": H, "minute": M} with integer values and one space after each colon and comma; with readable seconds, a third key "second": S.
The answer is {"hour": 6, "minute": 38}
